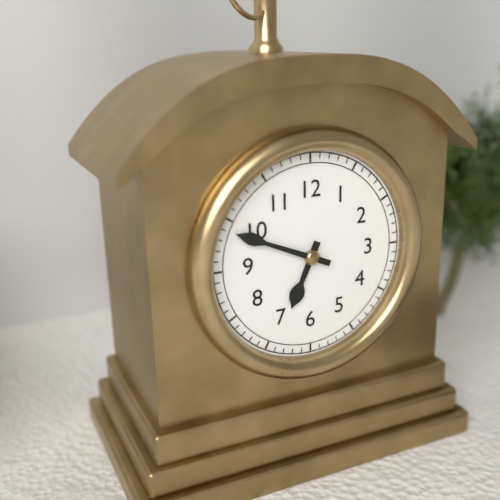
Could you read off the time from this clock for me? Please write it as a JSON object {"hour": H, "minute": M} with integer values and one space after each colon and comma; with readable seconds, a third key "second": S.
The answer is {"hour": 6, "minute": 49}
